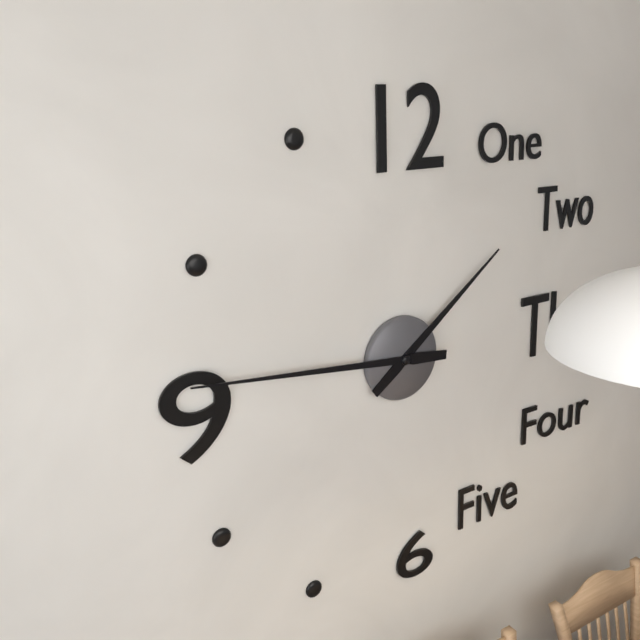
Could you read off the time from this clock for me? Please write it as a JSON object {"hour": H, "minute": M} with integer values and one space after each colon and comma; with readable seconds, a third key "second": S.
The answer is {"hour": 1, "minute": 46}
